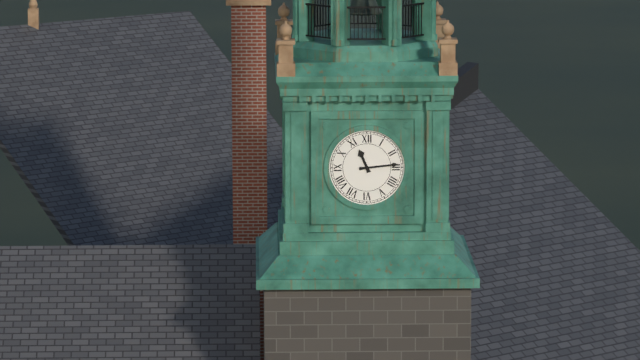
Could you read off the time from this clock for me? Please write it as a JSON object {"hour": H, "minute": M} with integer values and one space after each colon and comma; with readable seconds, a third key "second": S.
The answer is {"hour": 11, "minute": 14}
